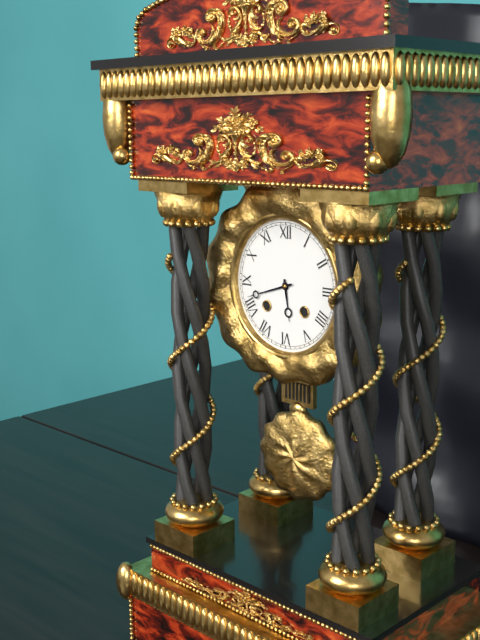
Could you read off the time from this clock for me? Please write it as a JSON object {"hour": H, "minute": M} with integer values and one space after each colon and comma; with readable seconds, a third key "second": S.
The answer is {"hour": 5, "minute": 42}
